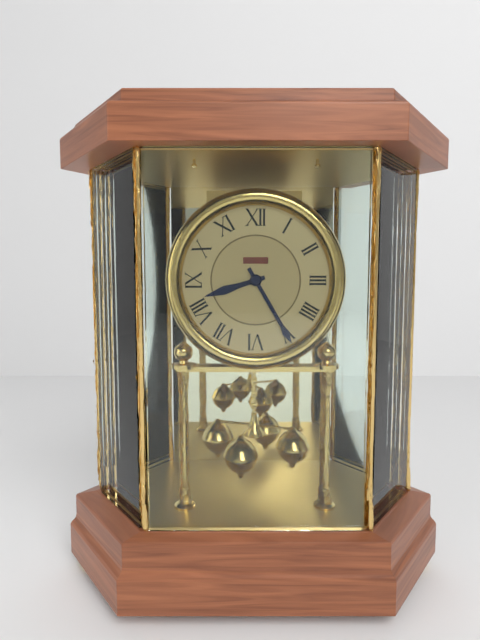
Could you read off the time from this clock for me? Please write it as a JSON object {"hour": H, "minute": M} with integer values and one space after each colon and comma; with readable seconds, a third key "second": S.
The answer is {"hour": 8, "minute": 25}
